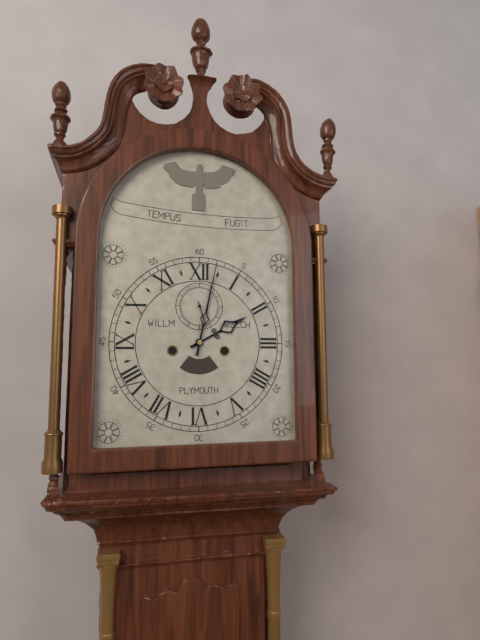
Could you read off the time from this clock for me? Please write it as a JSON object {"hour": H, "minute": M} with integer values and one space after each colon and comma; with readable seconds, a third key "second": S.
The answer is {"hour": 2, "minute": 2}
